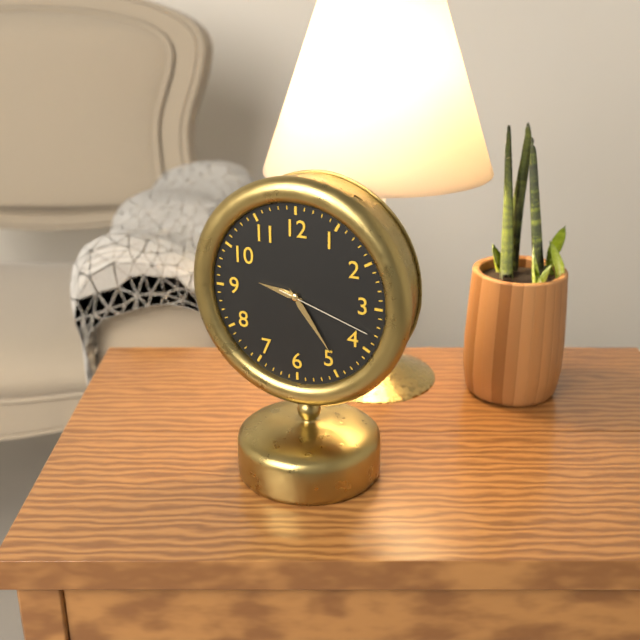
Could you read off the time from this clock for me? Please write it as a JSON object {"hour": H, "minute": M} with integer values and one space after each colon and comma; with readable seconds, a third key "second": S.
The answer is {"hour": 9, "minute": 24, "second": 18}
